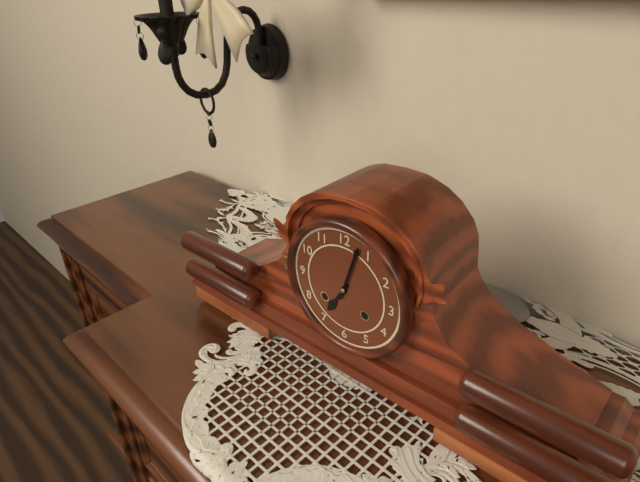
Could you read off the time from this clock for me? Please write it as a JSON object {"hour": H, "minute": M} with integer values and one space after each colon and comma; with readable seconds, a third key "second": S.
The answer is {"hour": 7, "minute": 3}
